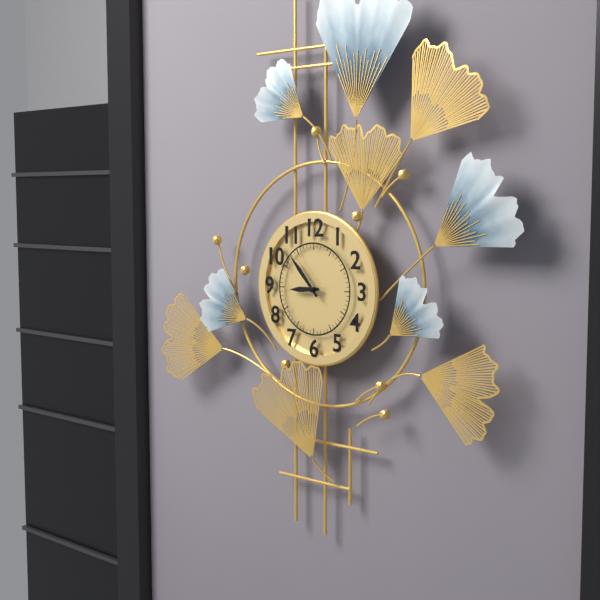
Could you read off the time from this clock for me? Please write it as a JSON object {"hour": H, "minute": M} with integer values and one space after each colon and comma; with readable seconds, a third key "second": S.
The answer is {"hour": 8, "minute": 53}
